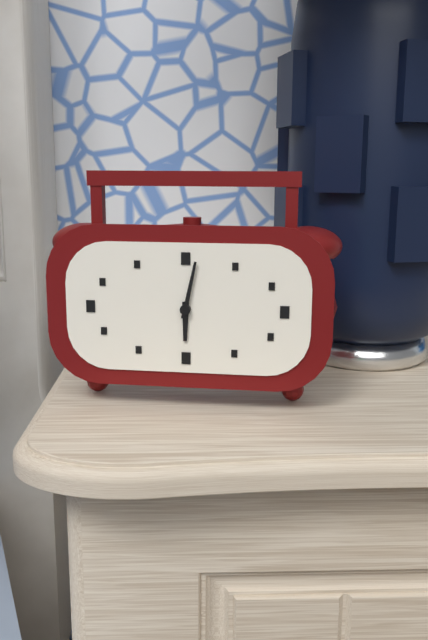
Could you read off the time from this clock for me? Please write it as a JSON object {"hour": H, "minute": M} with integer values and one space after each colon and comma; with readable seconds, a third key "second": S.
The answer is {"hour": 6, "minute": 2}
